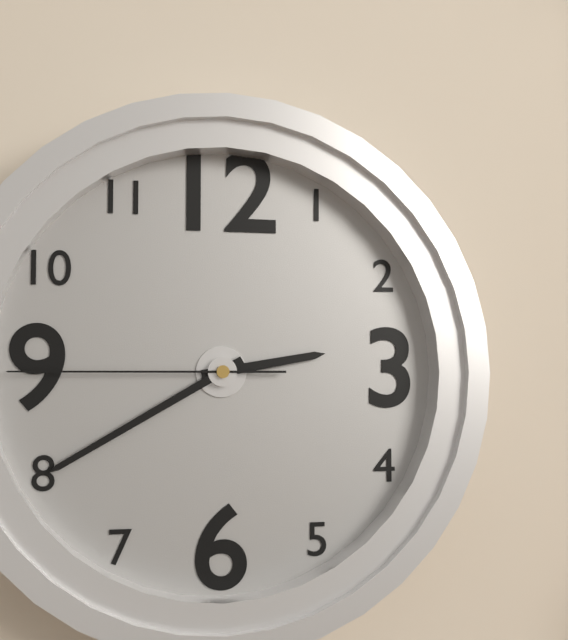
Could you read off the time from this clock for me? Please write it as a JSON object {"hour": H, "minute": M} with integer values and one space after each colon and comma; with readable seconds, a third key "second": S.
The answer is {"hour": 2, "minute": 40, "second": 45}
